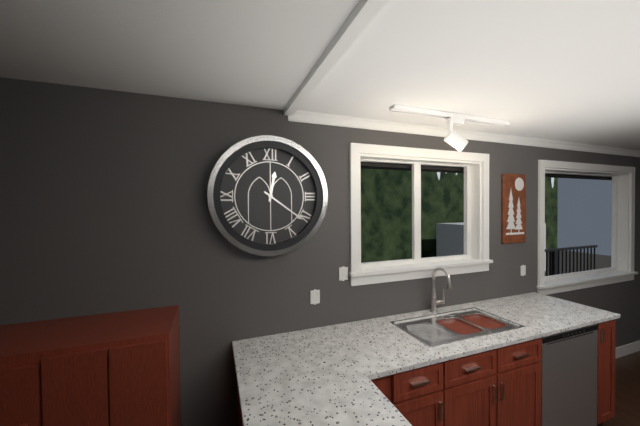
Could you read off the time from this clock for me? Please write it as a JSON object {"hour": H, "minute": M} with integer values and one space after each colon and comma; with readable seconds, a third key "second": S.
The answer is {"hour": 12, "minute": 21}
